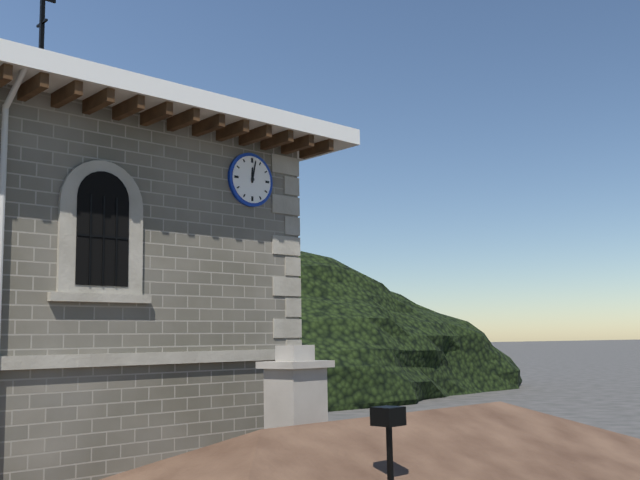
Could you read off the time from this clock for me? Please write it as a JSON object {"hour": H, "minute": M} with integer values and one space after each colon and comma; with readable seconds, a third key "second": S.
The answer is {"hour": 12, "minute": 2}
